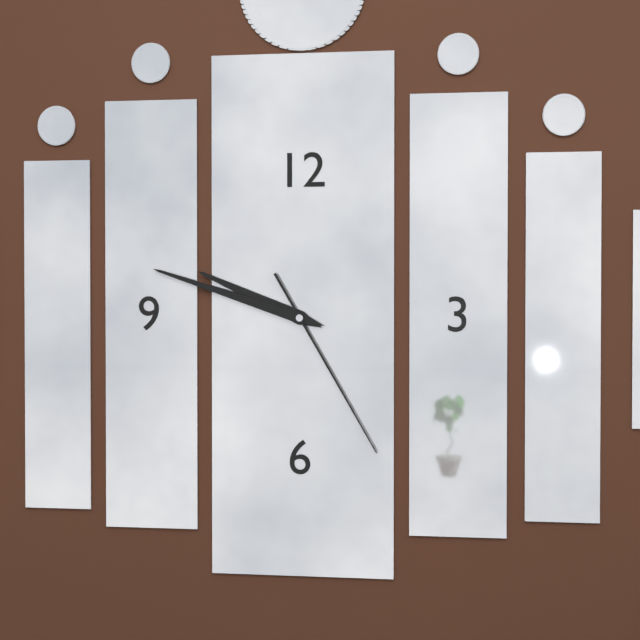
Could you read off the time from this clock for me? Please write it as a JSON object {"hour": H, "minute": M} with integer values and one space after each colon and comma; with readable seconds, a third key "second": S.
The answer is {"hour": 9, "minute": 48, "second": 25}
